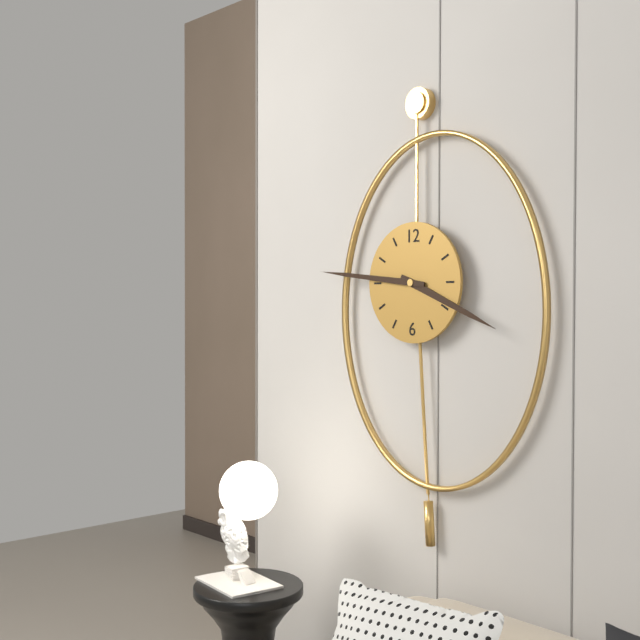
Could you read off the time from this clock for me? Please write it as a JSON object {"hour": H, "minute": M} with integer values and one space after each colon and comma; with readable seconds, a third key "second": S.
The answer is {"hour": 3, "minute": 46}
